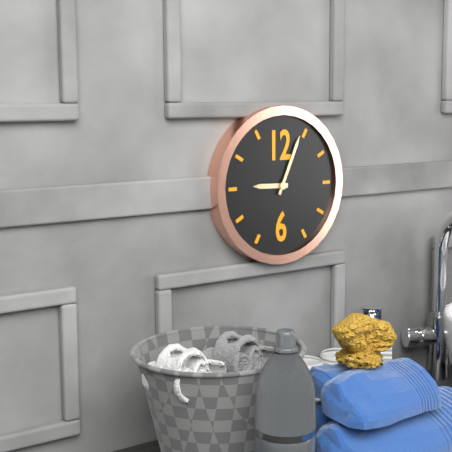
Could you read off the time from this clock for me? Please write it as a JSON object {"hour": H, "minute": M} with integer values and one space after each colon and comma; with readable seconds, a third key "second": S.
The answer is {"hour": 9, "minute": 4}
